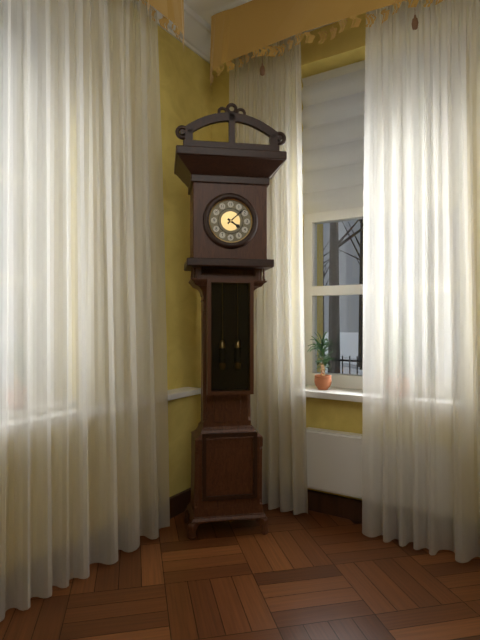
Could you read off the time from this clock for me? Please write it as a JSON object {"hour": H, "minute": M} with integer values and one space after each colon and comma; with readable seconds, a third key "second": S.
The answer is {"hour": 4, "minute": 8}
